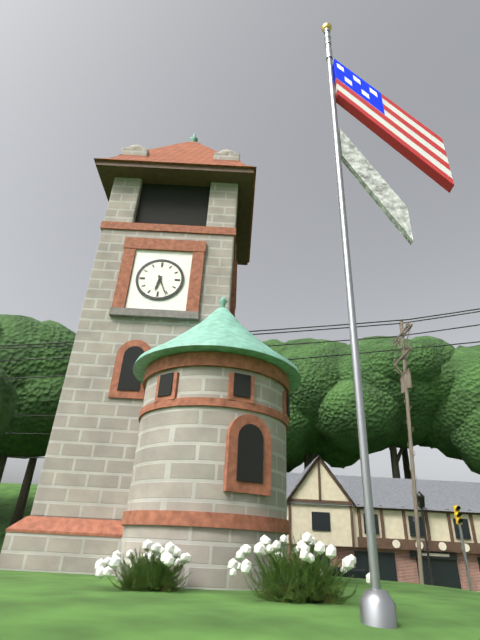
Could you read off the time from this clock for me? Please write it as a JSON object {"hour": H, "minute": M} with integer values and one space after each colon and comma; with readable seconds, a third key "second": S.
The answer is {"hour": 6, "minute": 26}
